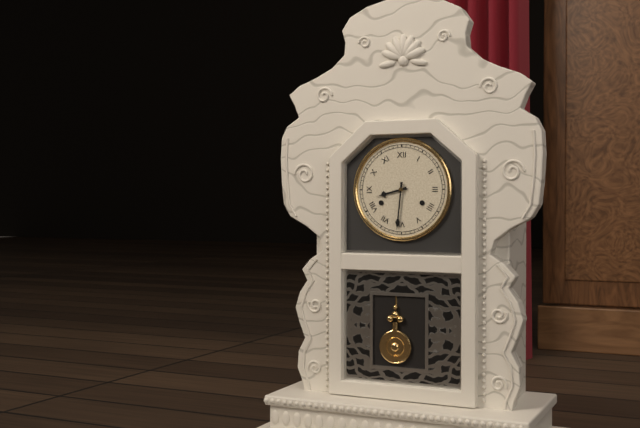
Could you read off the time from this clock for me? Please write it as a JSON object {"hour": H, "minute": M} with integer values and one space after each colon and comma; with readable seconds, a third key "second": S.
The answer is {"hour": 8, "minute": 31}
